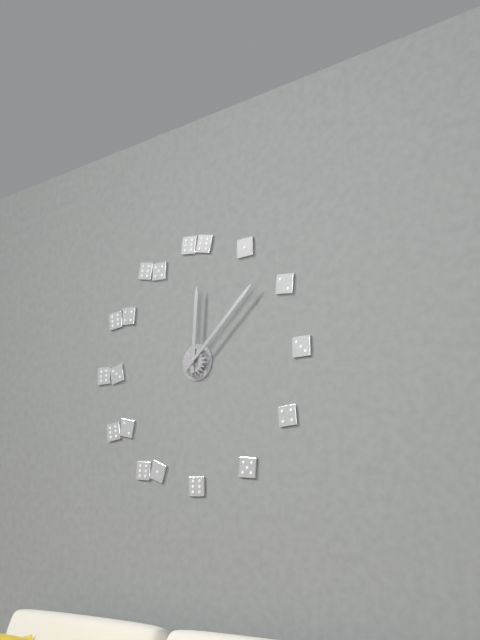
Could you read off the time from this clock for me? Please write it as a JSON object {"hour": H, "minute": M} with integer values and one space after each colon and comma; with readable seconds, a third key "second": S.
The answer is {"hour": 12, "minute": 8}
